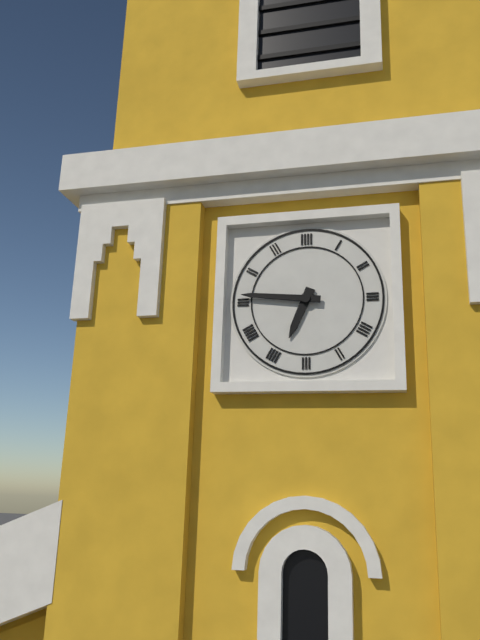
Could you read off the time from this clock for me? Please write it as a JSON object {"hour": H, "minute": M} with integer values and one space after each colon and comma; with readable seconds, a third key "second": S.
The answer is {"hour": 6, "minute": 46}
